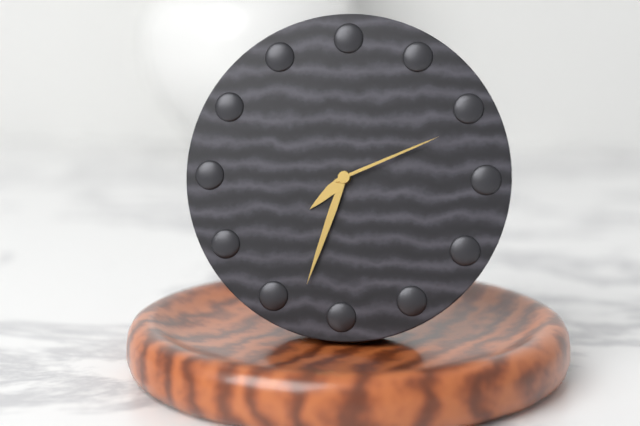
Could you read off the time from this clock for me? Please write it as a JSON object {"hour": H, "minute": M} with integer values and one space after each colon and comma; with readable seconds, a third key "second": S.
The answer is {"hour": 7, "minute": 33, "second": 11}
